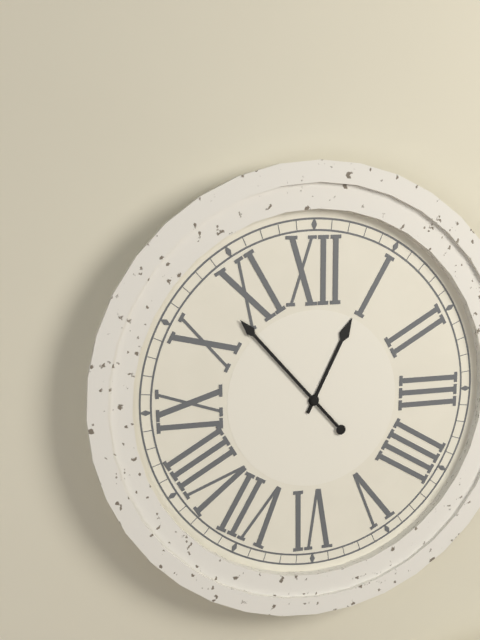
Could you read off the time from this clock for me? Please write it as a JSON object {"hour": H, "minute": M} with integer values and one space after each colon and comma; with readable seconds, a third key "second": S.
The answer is {"hour": 12, "minute": 53}
